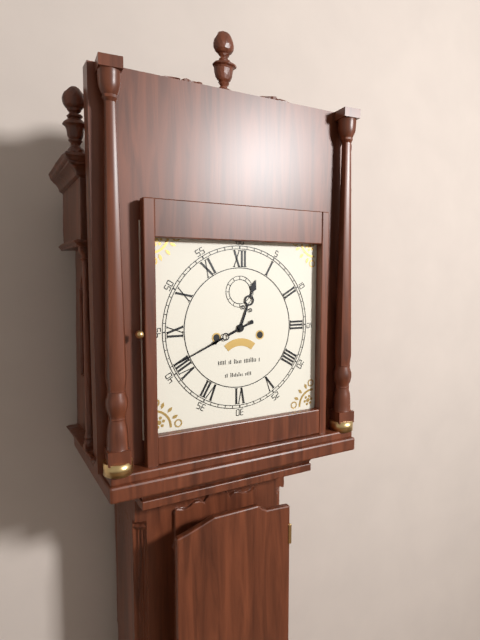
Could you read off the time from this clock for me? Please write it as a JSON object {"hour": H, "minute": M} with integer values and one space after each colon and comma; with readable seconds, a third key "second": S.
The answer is {"hour": 12, "minute": 41}
